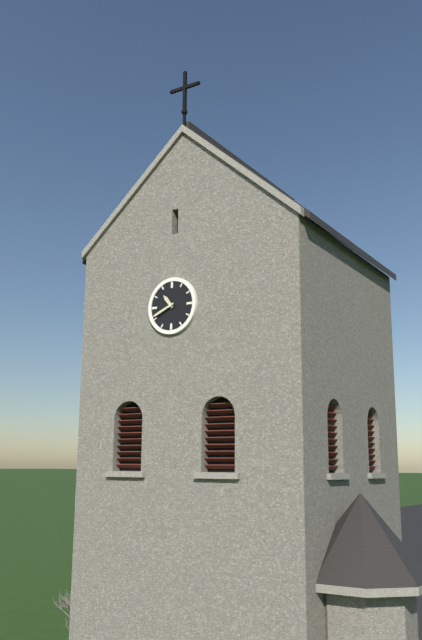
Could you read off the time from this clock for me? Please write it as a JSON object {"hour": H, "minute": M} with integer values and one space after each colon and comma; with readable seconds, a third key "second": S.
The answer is {"hour": 10, "minute": 41}
